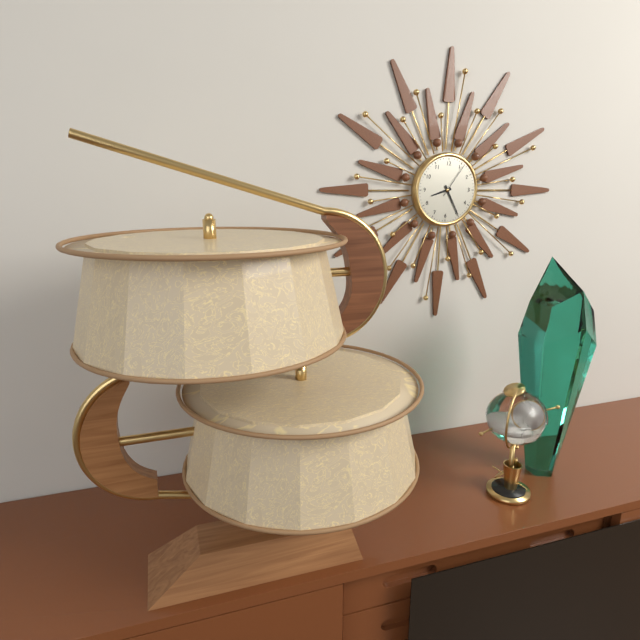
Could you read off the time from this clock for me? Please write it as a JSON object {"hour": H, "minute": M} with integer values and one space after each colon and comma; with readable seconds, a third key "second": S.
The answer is {"hour": 8, "minute": 25}
